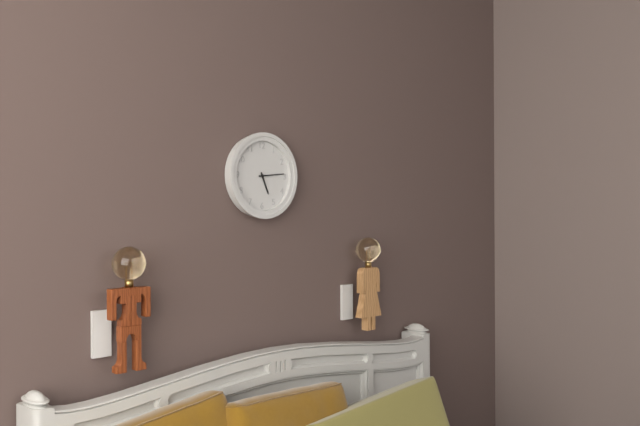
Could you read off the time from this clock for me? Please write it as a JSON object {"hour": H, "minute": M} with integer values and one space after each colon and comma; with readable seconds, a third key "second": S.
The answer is {"hour": 5, "minute": 14}
